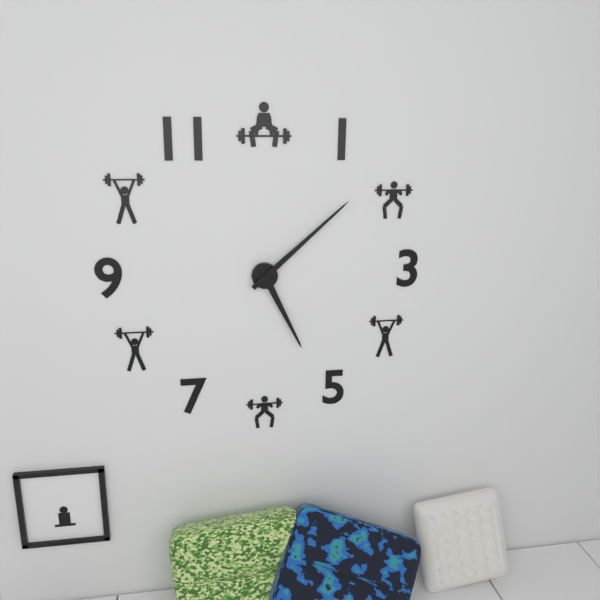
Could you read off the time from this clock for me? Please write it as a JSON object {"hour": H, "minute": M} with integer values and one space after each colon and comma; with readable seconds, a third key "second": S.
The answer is {"hour": 5, "minute": 8}
